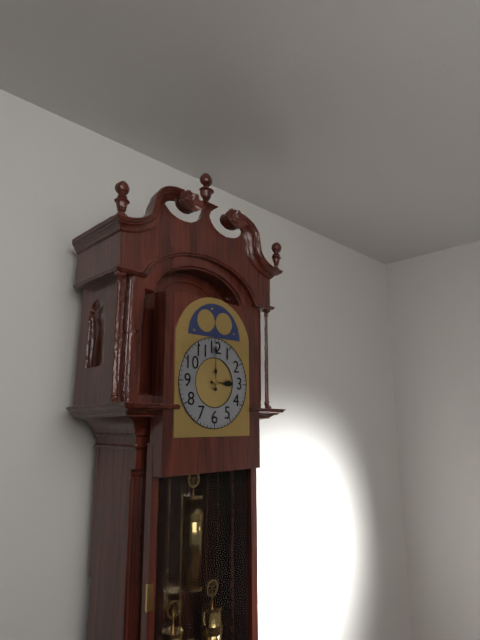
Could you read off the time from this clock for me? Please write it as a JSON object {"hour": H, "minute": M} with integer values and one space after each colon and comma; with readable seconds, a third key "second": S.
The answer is {"hour": 3, "minute": 0}
